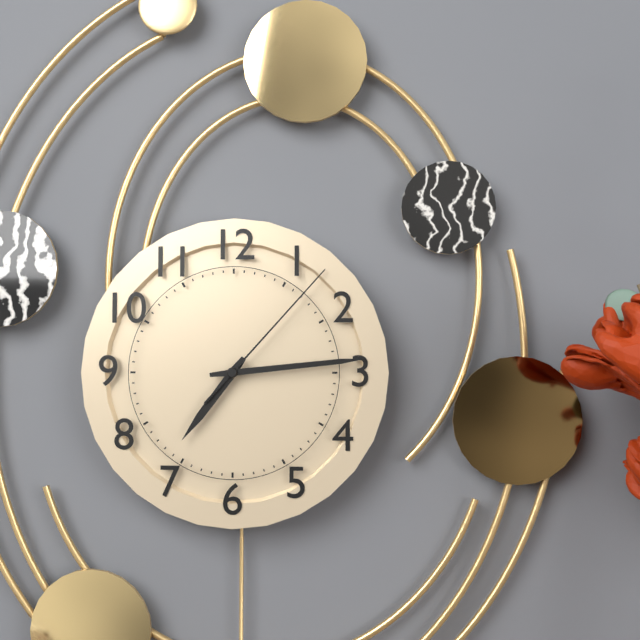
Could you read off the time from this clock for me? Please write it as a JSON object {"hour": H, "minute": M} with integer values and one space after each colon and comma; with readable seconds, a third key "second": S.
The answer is {"hour": 7, "minute": 14, "second": 7}
